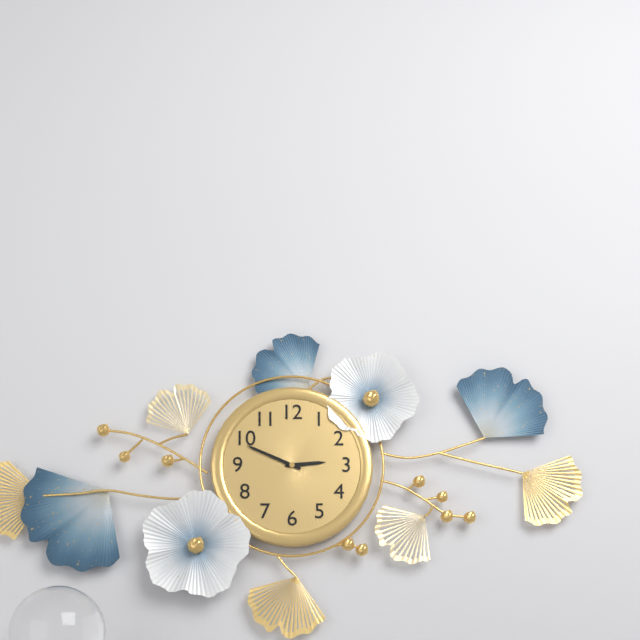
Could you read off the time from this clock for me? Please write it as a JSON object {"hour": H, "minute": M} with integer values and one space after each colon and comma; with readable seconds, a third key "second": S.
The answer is {"hour": 2, "minute": 49}
